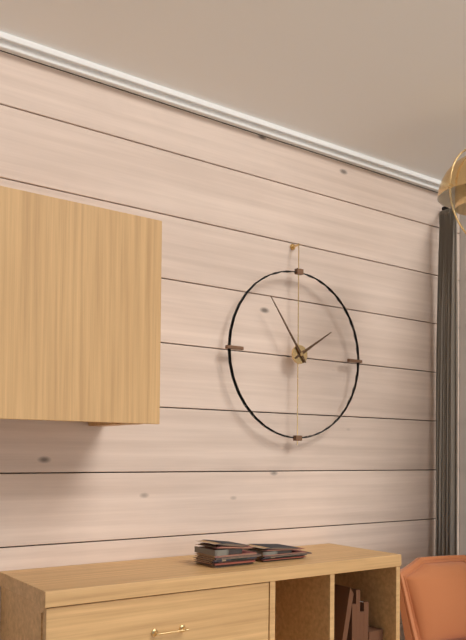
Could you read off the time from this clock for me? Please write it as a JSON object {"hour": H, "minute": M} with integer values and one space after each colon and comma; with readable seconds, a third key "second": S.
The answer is {"hour": 1, "minute": 54}
